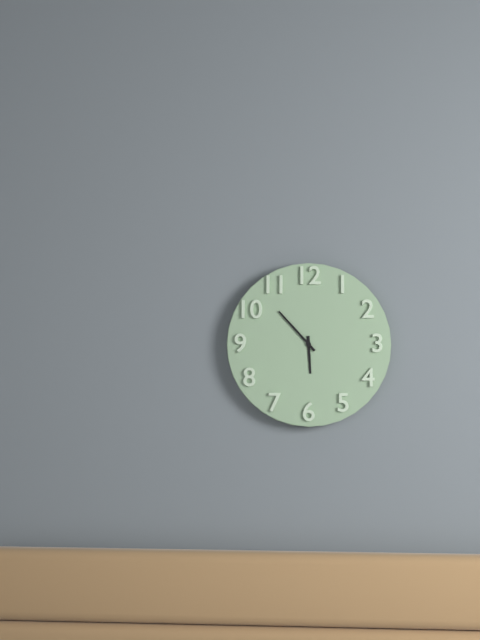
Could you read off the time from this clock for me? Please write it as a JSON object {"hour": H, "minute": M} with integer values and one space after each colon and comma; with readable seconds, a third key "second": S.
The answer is {"hour": 5, "minute": 53}
